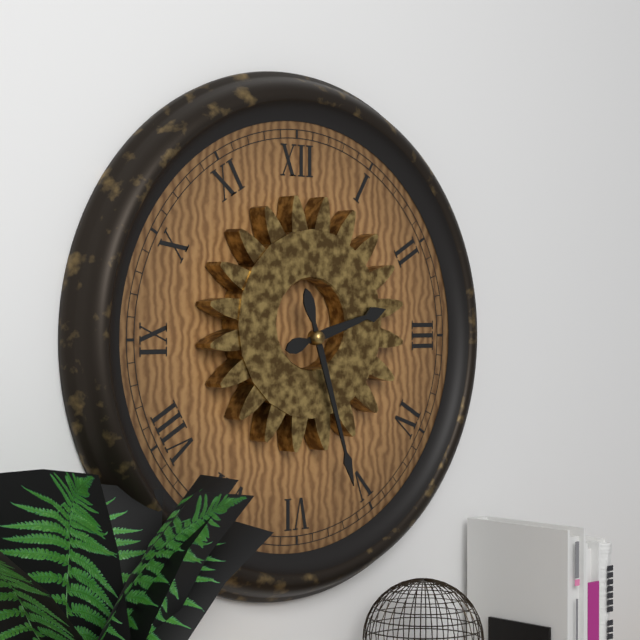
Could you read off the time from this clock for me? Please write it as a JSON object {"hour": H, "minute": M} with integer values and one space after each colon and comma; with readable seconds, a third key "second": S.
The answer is {"hour": 2, "minute": 27}
